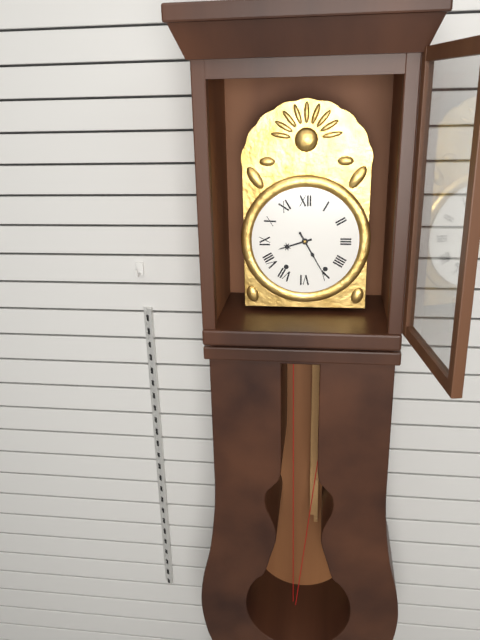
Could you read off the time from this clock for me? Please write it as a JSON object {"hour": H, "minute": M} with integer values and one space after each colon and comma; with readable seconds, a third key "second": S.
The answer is {"hour": 8, "minute": 25}
